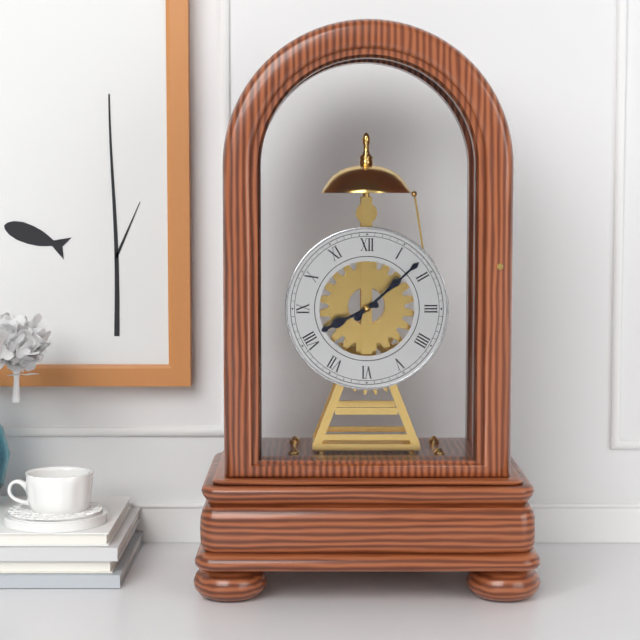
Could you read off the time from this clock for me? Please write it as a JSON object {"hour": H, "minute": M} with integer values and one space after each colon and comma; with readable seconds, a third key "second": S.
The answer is {"hour": 8, "minute": 8}
